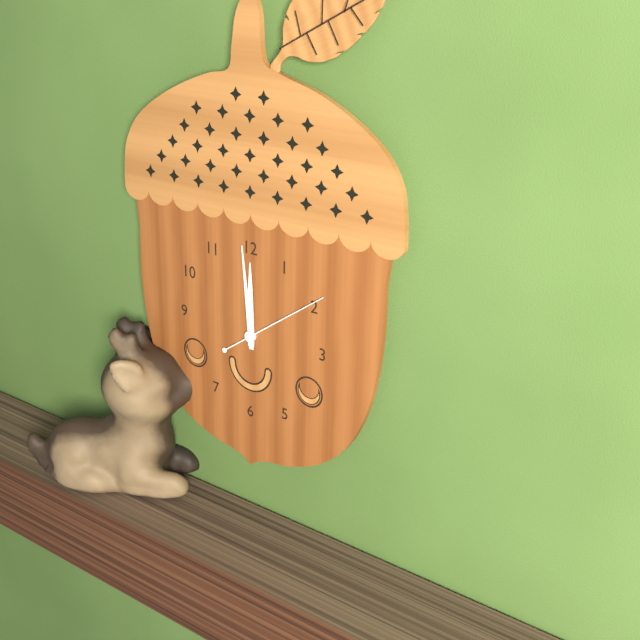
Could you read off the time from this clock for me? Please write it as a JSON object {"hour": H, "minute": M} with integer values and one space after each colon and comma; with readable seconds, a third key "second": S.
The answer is {"hour": 11, "minute": 59, "second": 9}
